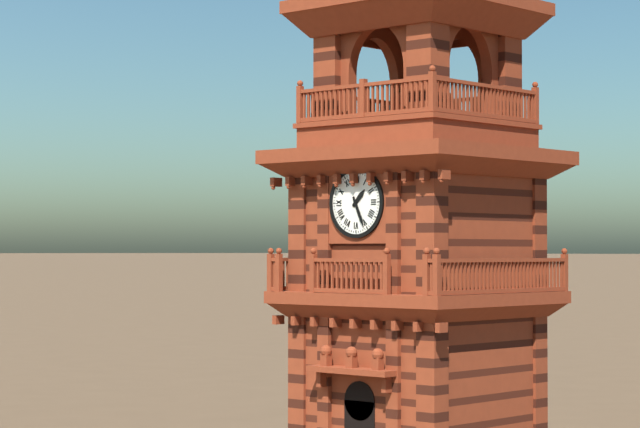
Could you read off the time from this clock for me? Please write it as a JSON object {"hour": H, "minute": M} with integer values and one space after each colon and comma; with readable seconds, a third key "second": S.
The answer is {"hour": 1, "minute": 26}
